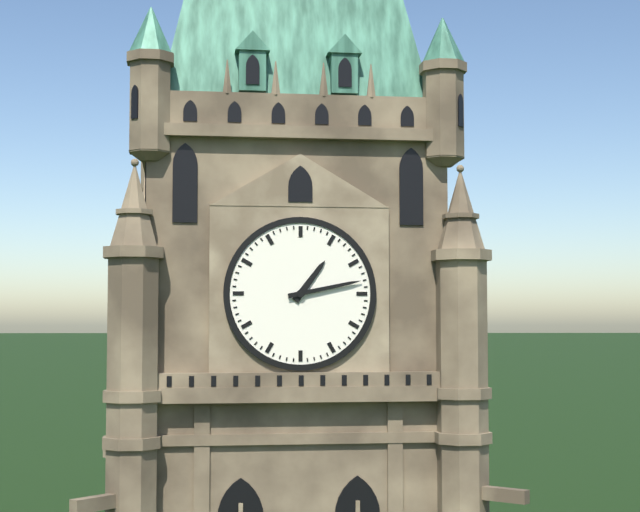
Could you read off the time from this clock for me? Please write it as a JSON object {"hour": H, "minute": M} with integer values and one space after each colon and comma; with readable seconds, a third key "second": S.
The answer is {"hour": 1, "minute": 13}
